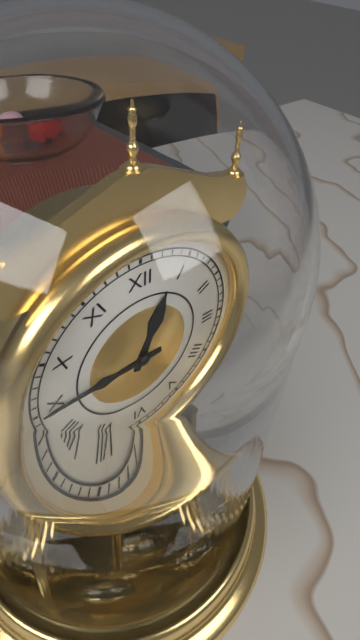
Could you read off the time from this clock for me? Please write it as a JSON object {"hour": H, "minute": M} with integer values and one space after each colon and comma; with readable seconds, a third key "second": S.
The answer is {"hour": 12, "minute": 45}
